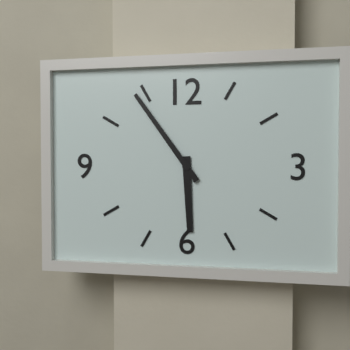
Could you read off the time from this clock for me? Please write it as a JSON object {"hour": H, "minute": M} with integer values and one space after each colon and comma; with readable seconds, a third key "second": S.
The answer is {"hour": 5, "minute": 54}
